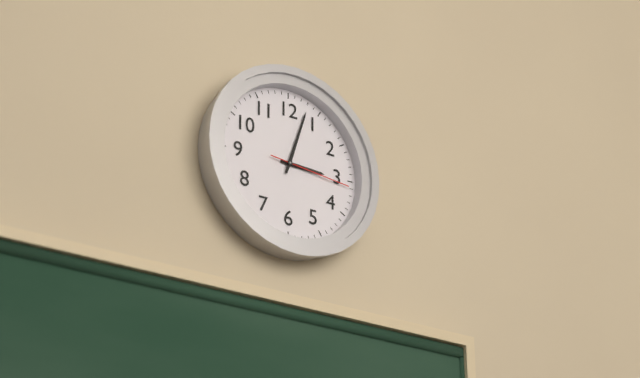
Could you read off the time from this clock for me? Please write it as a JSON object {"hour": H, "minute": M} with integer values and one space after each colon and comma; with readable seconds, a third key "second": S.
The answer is {"hour": 3, "minute": 3, "second": 16}
